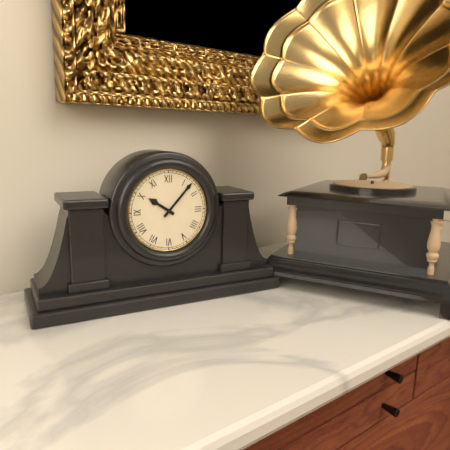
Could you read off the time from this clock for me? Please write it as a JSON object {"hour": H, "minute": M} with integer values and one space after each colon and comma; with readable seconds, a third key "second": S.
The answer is {"hour": 10, "minute": 7}
